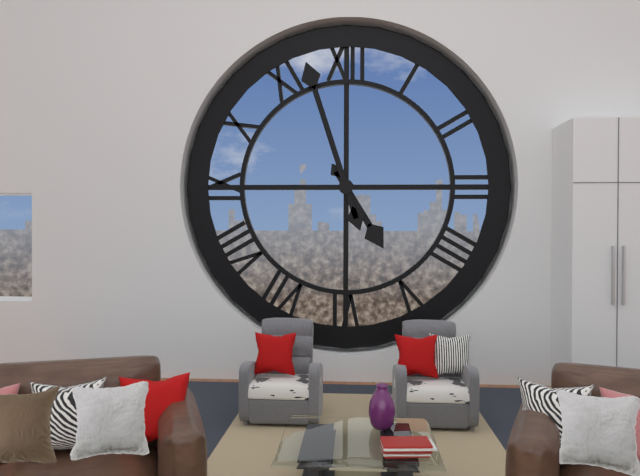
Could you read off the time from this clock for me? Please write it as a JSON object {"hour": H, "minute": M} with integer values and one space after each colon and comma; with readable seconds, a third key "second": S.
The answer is {"hour": 4, "minute": 57}
